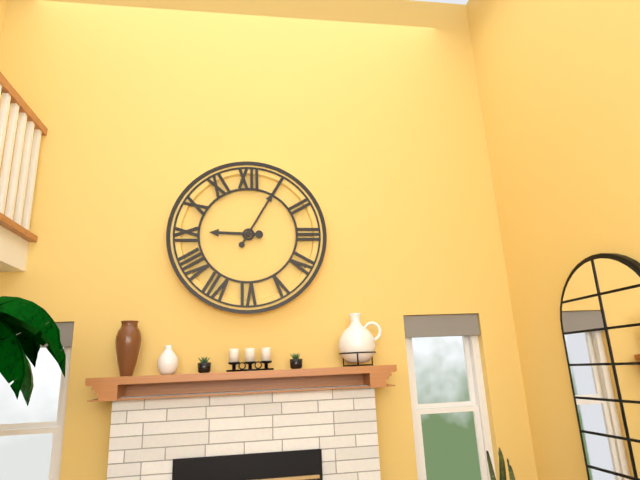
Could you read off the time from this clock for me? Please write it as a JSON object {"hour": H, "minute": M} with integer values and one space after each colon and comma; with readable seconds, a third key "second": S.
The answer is {"hour": 9, "minute": 5}
